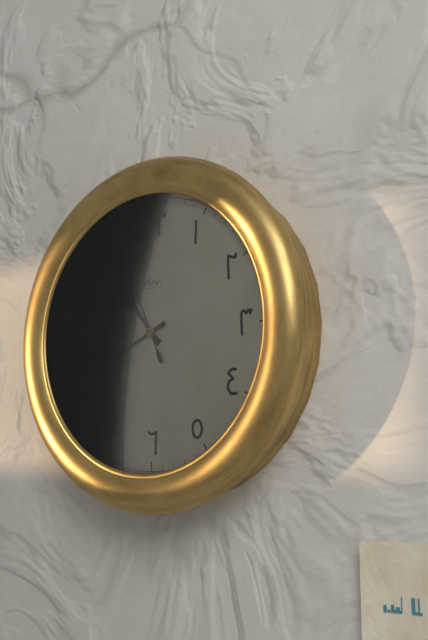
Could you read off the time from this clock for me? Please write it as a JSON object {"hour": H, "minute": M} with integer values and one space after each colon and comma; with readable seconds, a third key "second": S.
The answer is {"hour": 10, "minute": 41, "second": 56}
